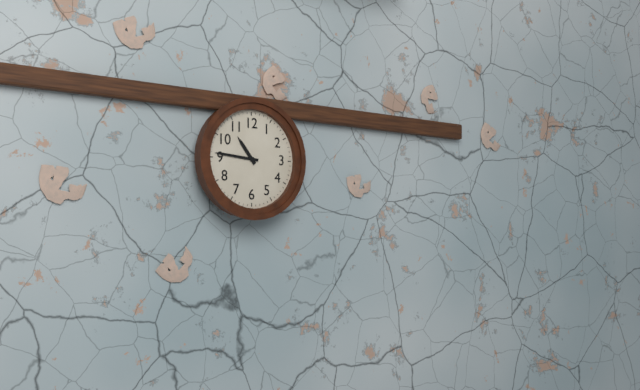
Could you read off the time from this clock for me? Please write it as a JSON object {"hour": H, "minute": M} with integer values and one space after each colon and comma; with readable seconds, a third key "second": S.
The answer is {"hour": 10, "minute": 46}
